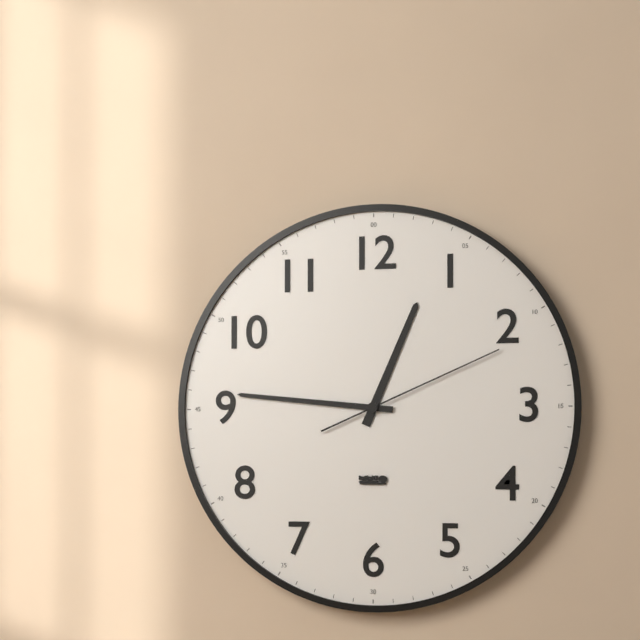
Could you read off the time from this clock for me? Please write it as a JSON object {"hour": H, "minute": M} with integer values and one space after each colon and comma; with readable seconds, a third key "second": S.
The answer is {"hour": 12, "minute": 46, "second": 11}
